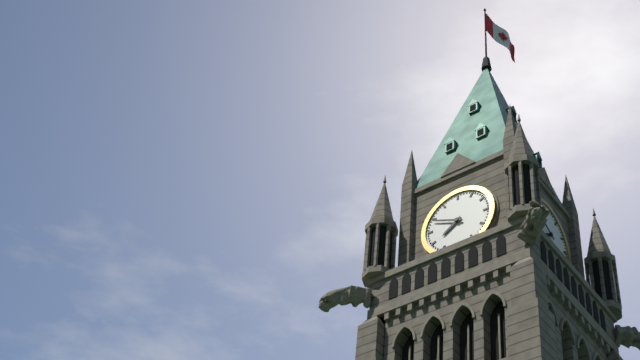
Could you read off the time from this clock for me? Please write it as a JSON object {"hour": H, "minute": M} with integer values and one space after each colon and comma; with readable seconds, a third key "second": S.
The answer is {"hour": 7, "minute": 49}
